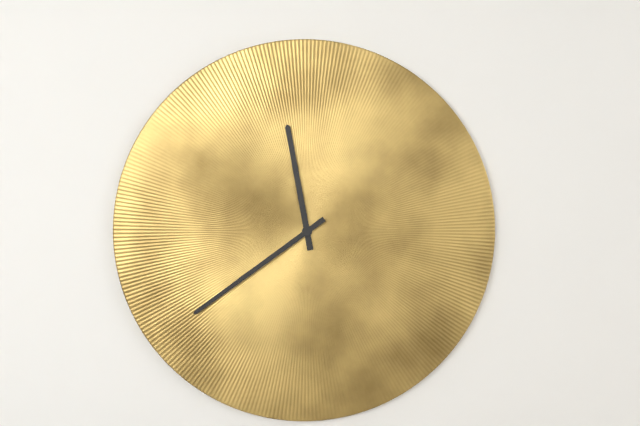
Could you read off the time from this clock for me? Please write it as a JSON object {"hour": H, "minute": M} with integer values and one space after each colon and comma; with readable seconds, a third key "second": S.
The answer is {"hour": 11, "minute": 39}
